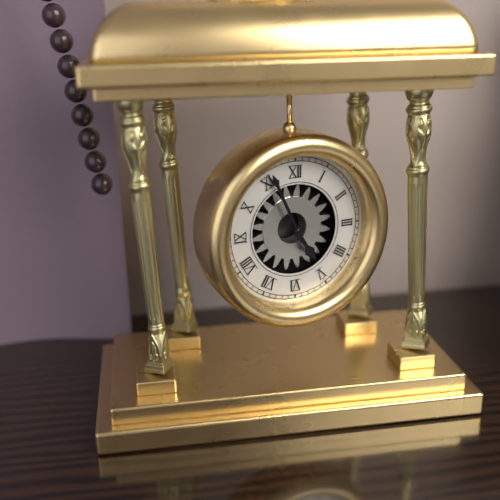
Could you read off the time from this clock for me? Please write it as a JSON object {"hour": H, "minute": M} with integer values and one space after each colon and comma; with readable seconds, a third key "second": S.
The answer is {"hour": 4, "minute": 56}
